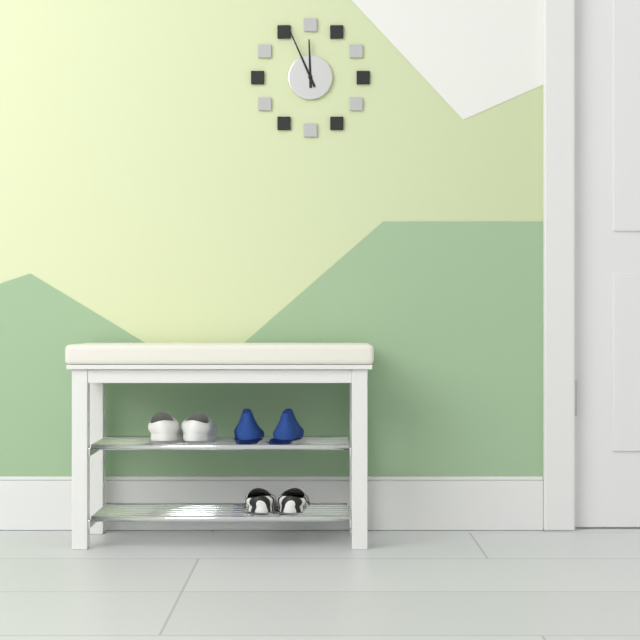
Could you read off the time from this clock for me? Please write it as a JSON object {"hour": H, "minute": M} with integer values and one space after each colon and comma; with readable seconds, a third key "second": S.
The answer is {"hour": 11, "minute": 56}
